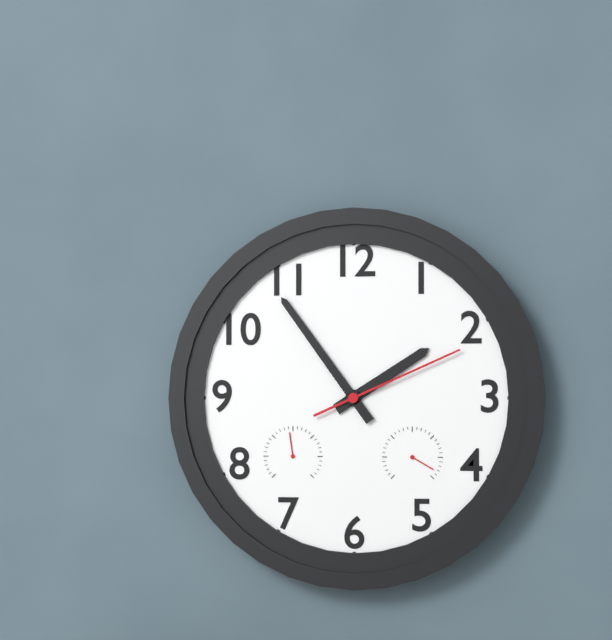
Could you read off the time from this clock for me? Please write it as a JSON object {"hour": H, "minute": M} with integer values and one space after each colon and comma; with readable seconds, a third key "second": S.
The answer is {"hour": 1, "minute": 54, "second": 11}
